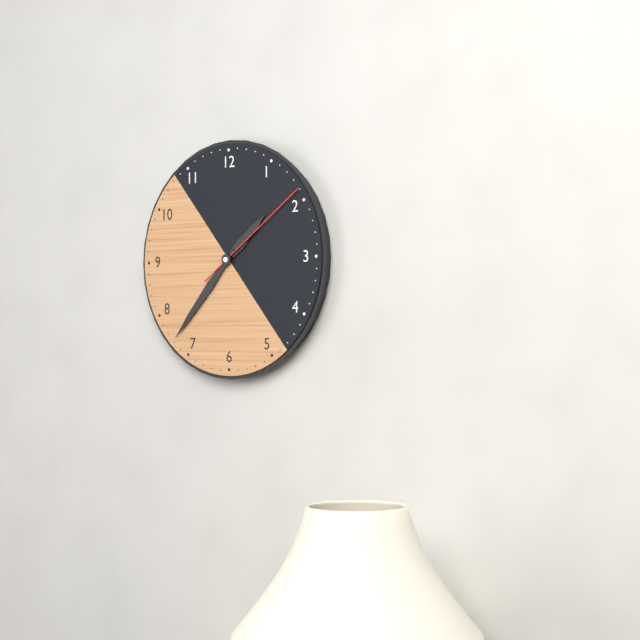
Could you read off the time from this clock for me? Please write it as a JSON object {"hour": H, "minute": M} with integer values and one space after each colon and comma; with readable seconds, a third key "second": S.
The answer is {"hour": 1, "minute": 37, "second": 9}
